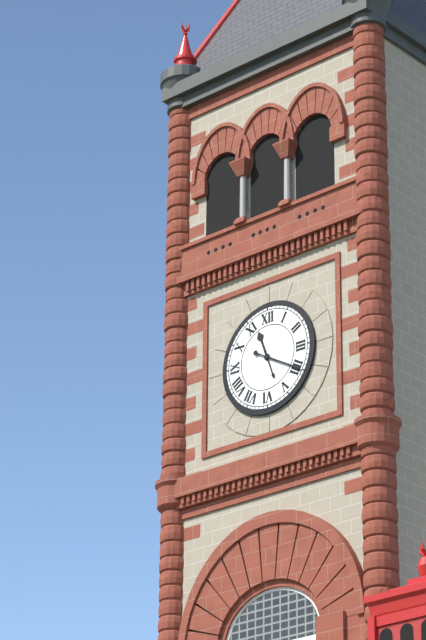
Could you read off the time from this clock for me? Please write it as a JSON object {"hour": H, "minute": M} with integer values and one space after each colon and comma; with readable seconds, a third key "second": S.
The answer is {"hour": 11, "minute": 20}
